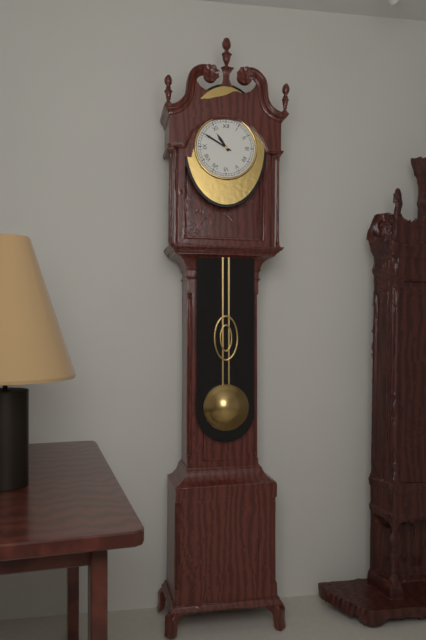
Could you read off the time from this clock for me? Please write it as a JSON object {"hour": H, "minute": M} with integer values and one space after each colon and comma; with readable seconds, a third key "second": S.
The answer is {"hour": 10, "minute": 50}
